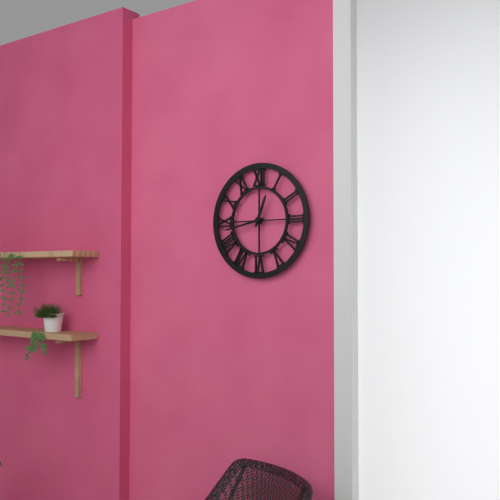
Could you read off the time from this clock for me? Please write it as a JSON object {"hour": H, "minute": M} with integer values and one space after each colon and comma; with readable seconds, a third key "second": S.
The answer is {"hour": 12, "minute": 43}
